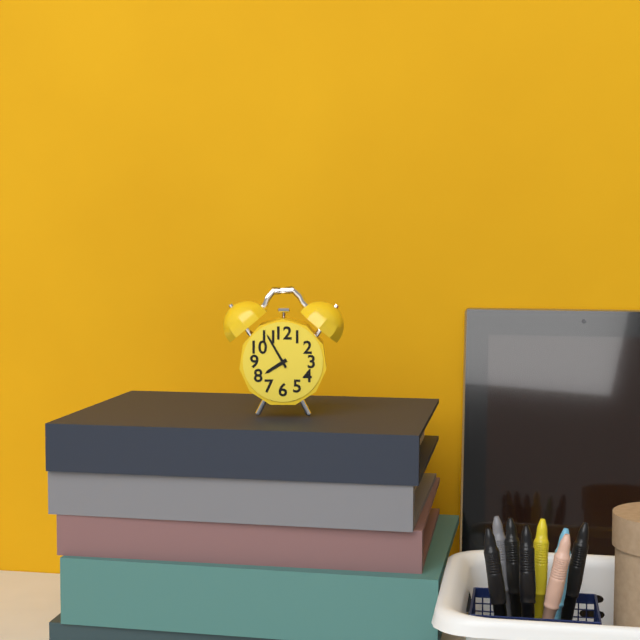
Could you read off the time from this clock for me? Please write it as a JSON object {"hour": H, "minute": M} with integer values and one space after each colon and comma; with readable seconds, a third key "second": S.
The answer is {"hour": 7, "minute": 55}
